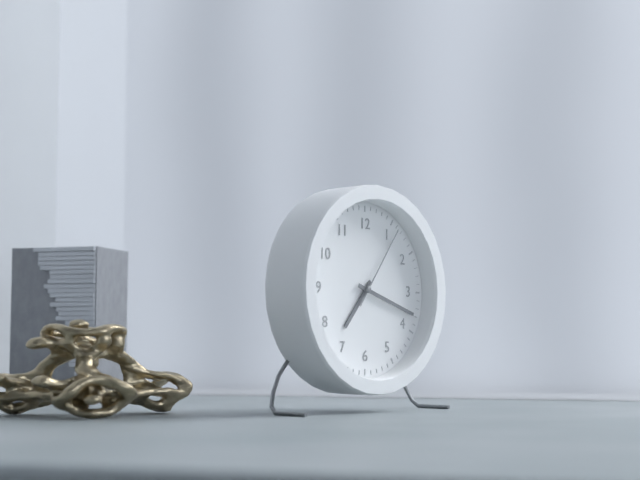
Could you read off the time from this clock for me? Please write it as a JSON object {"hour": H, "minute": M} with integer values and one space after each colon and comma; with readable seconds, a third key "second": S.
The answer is {"hour": 7, "minute": 18, "second": 6}
